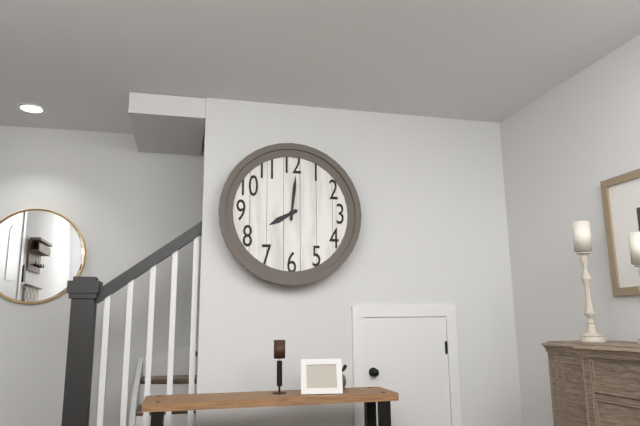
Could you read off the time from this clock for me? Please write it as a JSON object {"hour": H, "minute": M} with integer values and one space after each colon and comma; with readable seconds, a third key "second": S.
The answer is {"hour": 8, "minute": 1}
